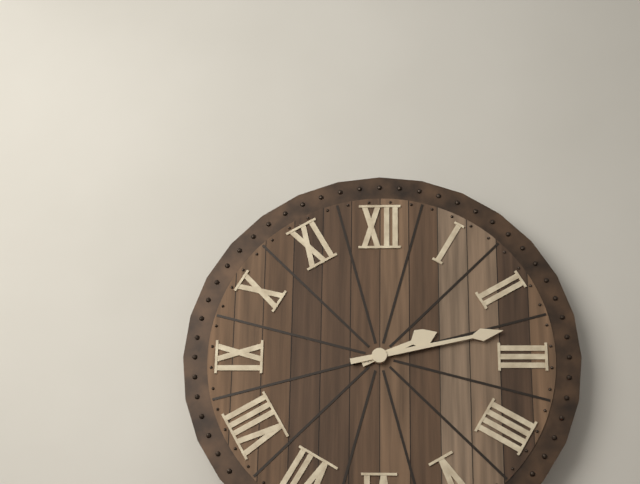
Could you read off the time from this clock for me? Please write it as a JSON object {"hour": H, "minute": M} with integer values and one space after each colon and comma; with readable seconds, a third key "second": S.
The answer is {"hour": 2, "minute": 13}
